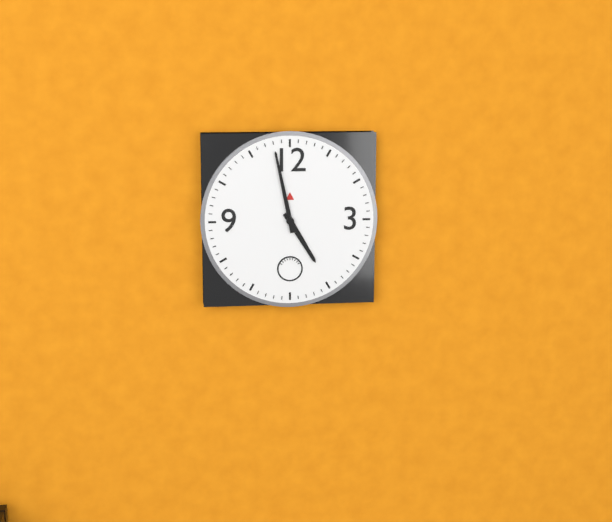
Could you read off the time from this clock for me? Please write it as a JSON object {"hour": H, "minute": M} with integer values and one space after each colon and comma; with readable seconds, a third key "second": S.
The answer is {"hour": 4, "minute": 58}
